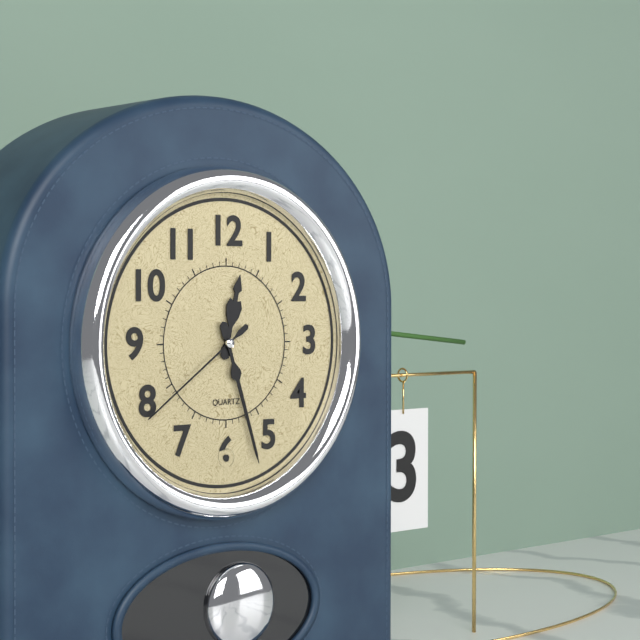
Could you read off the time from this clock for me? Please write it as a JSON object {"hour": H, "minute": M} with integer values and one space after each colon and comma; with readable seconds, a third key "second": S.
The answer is {"hour": 12, "minute": 27, "second": 39}
